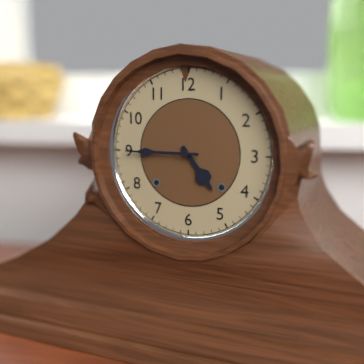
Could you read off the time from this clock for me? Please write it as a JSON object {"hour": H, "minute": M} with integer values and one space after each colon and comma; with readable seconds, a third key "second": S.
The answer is {"hour": 4, "minute": 45}
